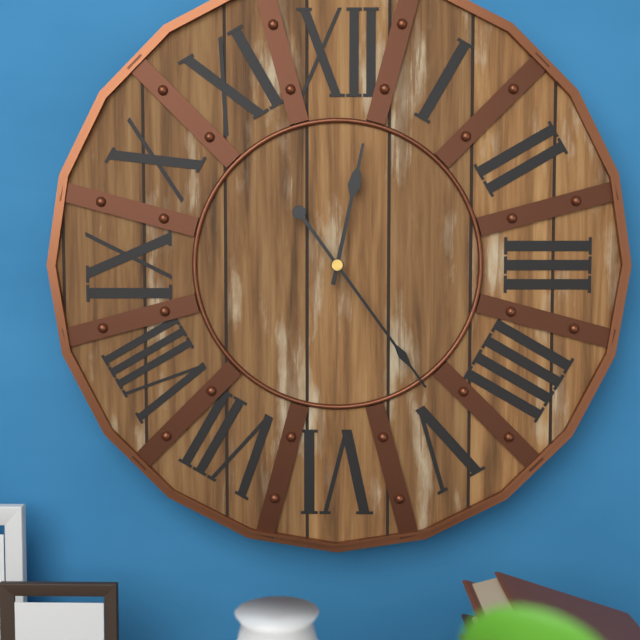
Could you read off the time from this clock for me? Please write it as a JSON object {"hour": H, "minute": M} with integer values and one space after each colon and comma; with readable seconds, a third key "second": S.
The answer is {"hour": 12, "minute": 24}
